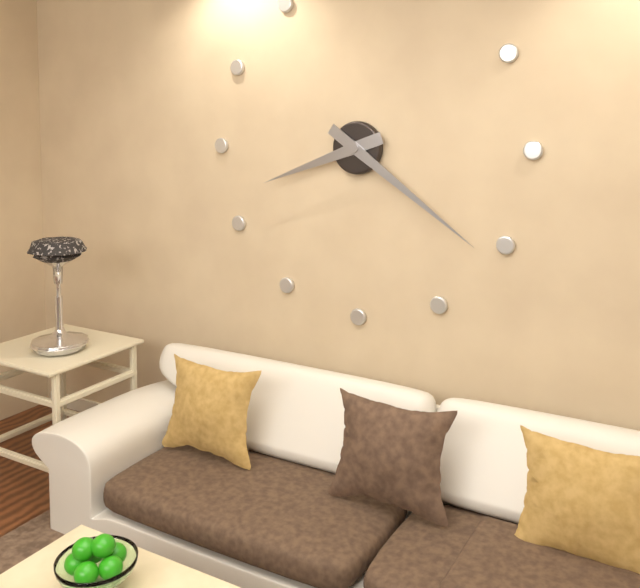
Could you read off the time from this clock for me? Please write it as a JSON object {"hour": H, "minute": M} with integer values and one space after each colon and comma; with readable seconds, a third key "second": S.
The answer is {"hour": 8, "minute": 21}
